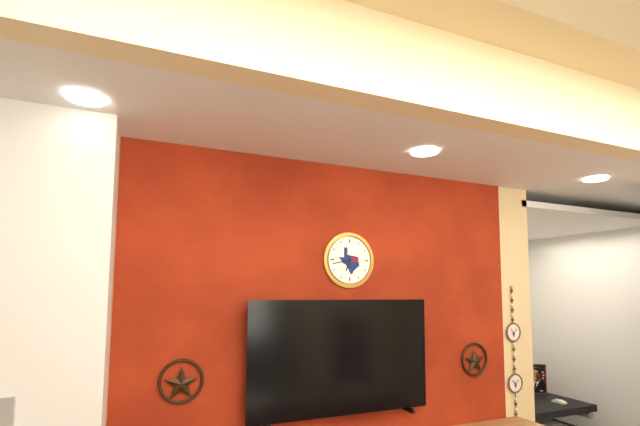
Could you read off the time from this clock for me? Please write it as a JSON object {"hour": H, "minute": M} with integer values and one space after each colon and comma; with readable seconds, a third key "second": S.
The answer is {"hour": 6, "minute": 43}
